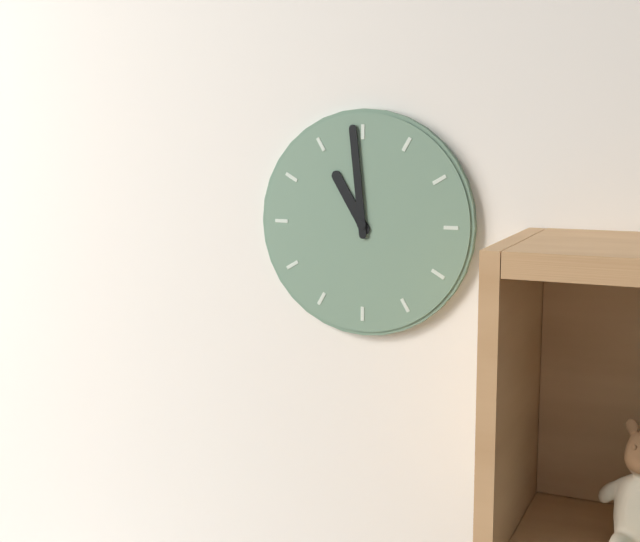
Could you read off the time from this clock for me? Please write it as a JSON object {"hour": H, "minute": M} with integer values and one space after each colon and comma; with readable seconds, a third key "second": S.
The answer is {"hour": 10, "minute": 59}
